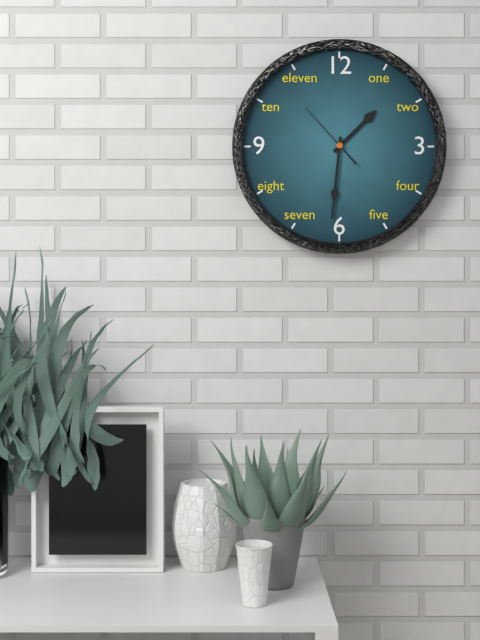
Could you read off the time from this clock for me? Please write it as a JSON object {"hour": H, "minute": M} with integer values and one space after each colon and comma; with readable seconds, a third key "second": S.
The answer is {"hour": 1, "minute": 31, "second": 53}
